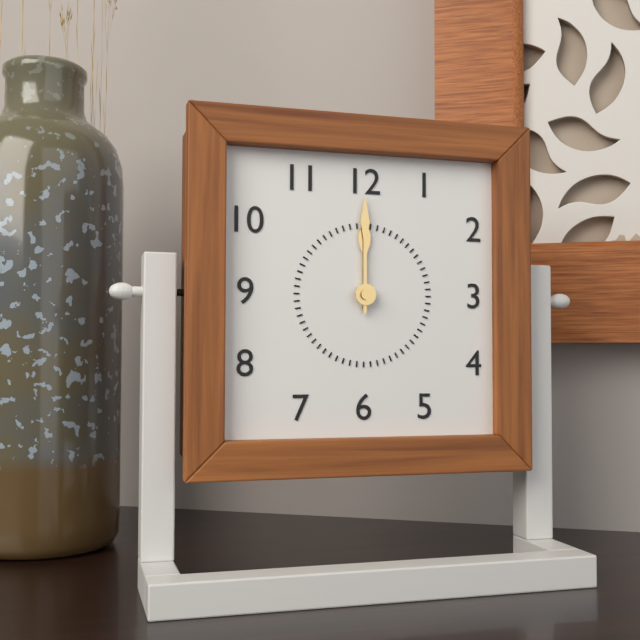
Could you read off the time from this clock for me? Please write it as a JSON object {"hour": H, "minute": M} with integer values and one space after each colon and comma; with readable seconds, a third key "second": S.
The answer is {"hour": 12, "minute": 0}
